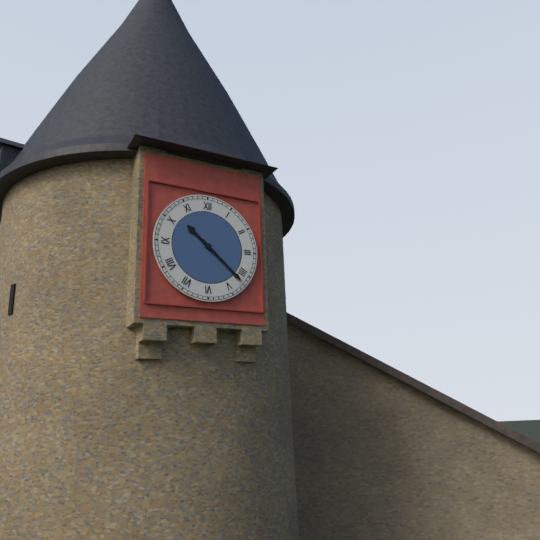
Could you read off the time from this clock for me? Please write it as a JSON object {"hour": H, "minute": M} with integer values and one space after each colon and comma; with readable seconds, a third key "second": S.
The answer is {"hour": 10, "minute": 22}
